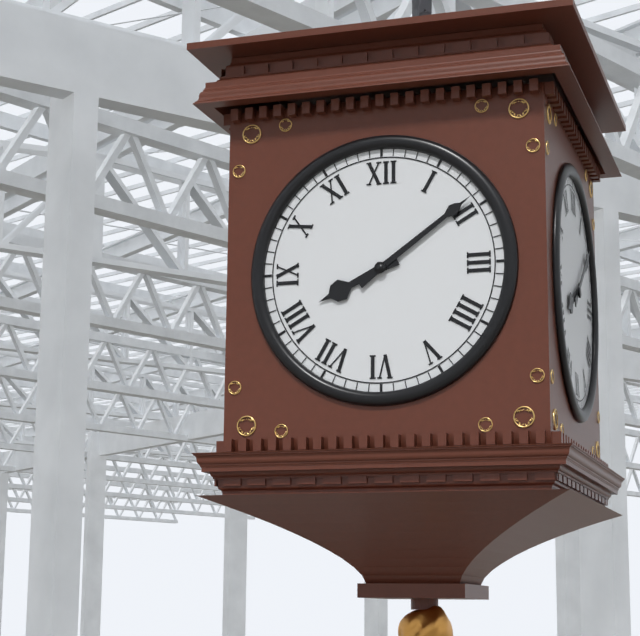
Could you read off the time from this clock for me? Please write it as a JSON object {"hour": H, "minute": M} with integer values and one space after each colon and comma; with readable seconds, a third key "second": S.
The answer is {"hour": 8, "minute": 9}
